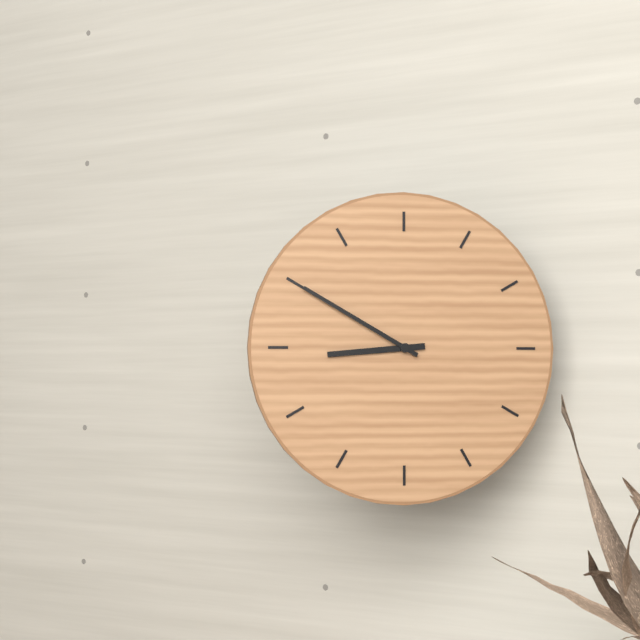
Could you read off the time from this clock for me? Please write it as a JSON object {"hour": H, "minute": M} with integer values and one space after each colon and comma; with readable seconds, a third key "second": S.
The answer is {"hour": 8, "minute": 50}
